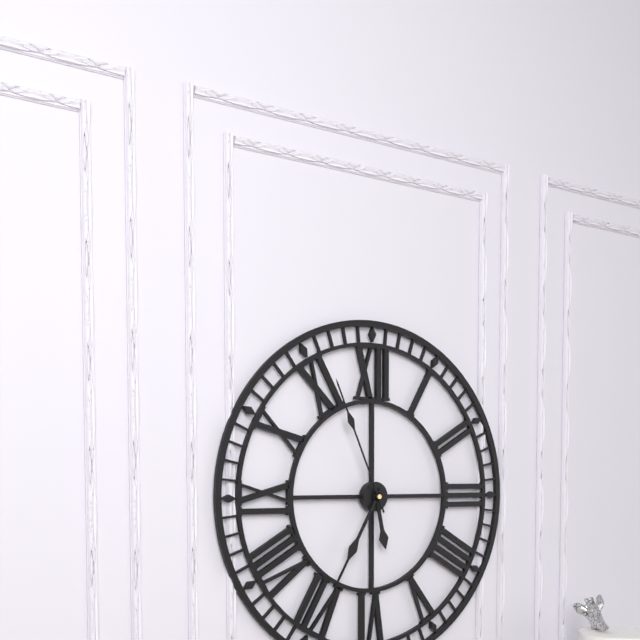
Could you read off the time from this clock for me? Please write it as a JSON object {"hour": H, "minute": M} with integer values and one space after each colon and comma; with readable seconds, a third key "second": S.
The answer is {"hour": 5, "minute": 35, "second": 56}
